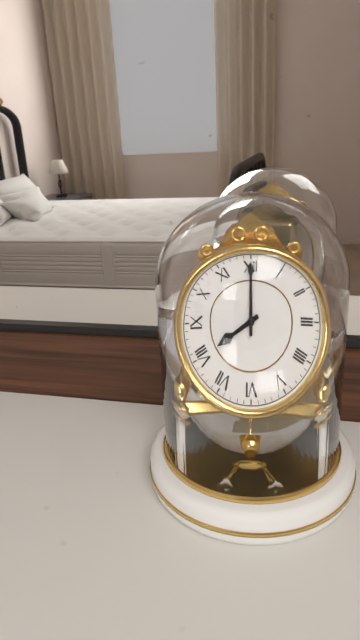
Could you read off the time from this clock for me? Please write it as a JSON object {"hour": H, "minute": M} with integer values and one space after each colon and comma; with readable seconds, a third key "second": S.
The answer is {"hour": 8, "minute": 0}
